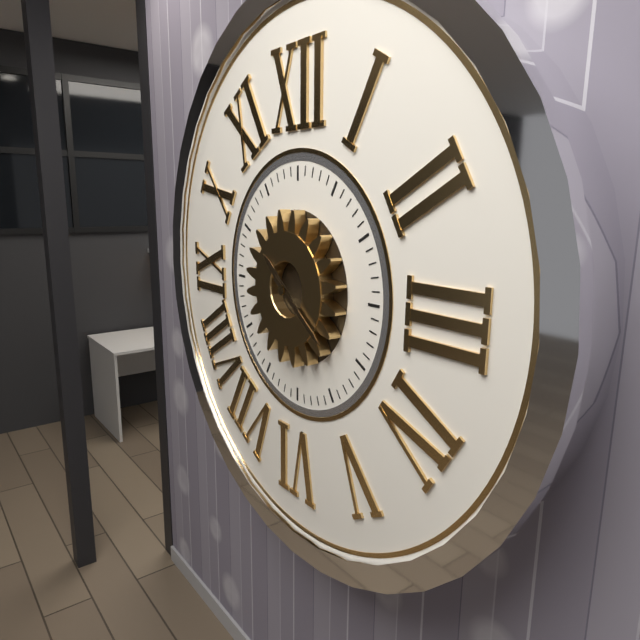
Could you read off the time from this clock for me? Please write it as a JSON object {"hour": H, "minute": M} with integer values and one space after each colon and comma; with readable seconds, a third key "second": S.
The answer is {"hour": 10, "minute": 21}
